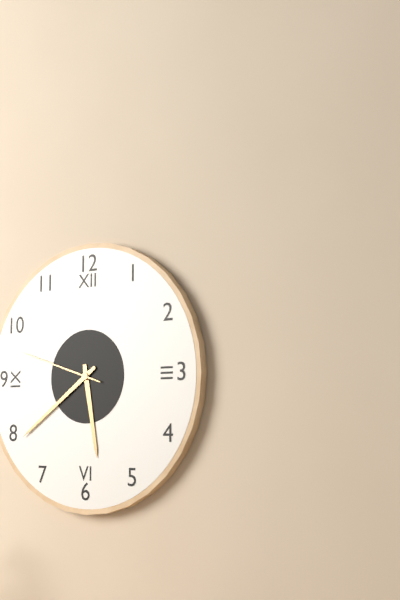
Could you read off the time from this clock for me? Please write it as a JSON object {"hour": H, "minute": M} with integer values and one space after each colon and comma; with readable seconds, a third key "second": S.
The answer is {"hour": 5, "minute": 39, "second": 48}
